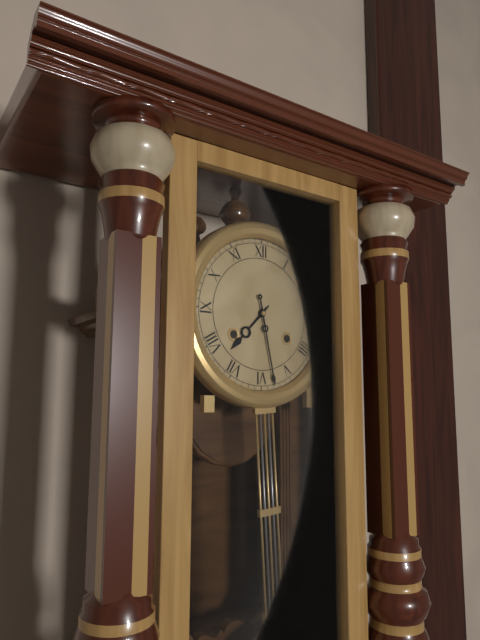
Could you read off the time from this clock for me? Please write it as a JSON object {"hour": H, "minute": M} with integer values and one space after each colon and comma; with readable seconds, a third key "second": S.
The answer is {"hour": 7, "minute": 28}
